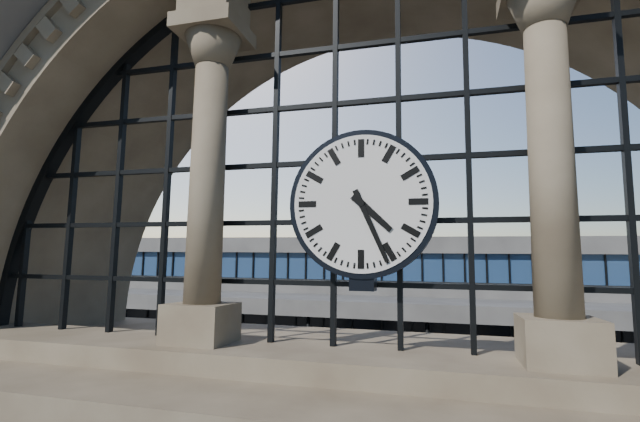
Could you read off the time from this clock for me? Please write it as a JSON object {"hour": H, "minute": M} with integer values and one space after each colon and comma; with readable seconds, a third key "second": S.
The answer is {"hour": 4, "minute": 26}
